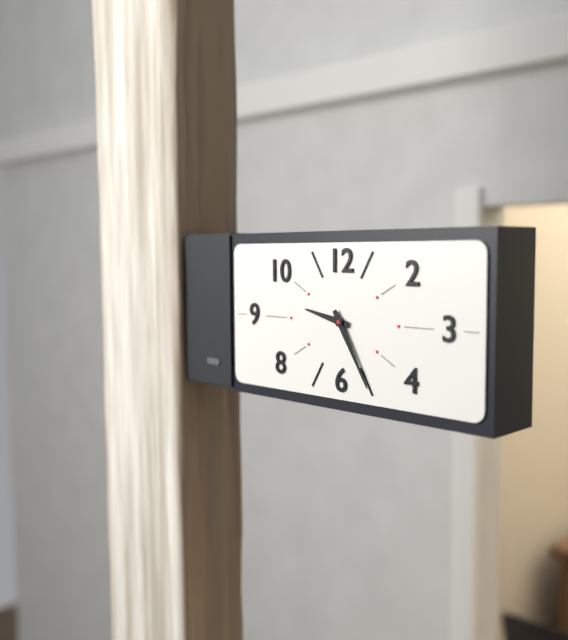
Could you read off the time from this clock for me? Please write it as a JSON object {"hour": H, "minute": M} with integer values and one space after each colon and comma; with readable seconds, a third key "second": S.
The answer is {"hour": 9, "minute": 25}
